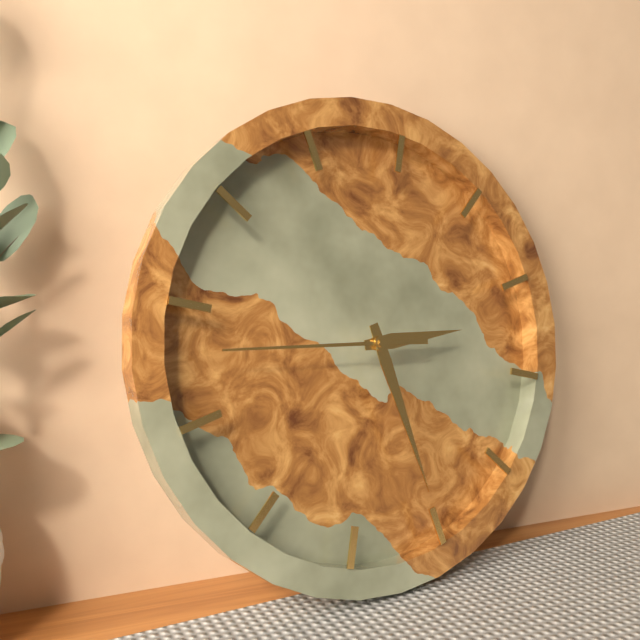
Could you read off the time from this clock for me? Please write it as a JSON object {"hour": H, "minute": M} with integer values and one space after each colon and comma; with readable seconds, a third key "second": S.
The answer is {"hour": 2, "minute": 25, "second": 43}
